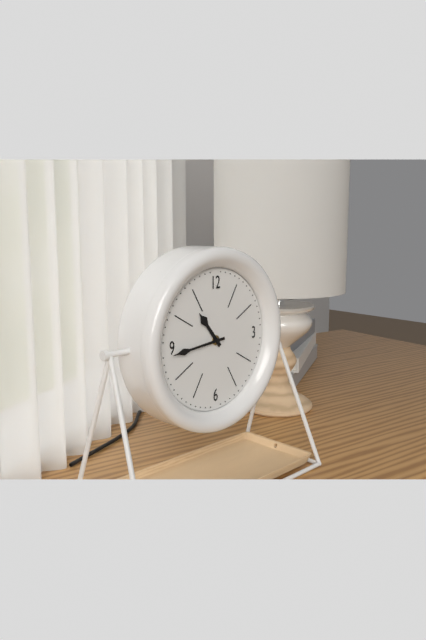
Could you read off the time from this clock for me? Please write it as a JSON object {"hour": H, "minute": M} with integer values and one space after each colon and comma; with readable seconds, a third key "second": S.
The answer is {"hour": 10, "minute": 44}
